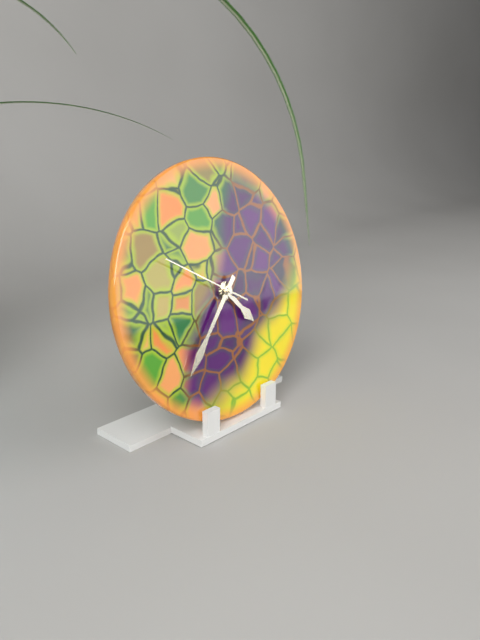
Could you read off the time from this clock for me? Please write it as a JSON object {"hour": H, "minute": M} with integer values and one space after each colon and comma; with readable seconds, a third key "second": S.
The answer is {"hour": 4, "minute": 37, "second": 50}
